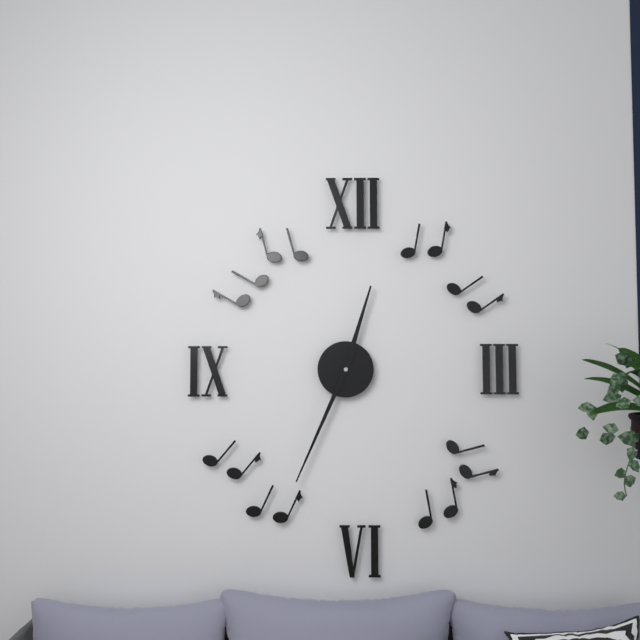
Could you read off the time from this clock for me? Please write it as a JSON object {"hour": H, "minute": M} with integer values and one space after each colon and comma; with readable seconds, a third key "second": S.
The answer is {"hour": 12, "minute": 34}
